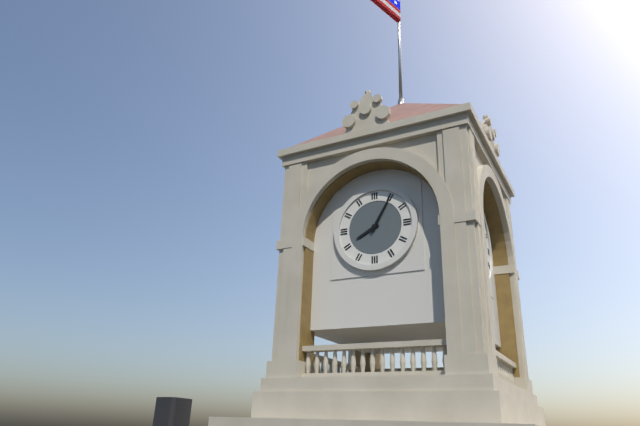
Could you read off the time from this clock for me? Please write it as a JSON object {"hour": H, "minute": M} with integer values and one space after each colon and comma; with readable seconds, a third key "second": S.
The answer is {"hour": 8, "minute": 5}
